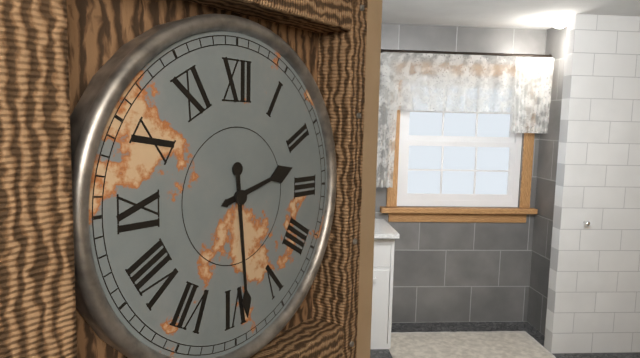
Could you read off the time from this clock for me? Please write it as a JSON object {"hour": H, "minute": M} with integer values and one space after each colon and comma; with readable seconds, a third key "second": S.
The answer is {"hour": 2, "minute": 29}
